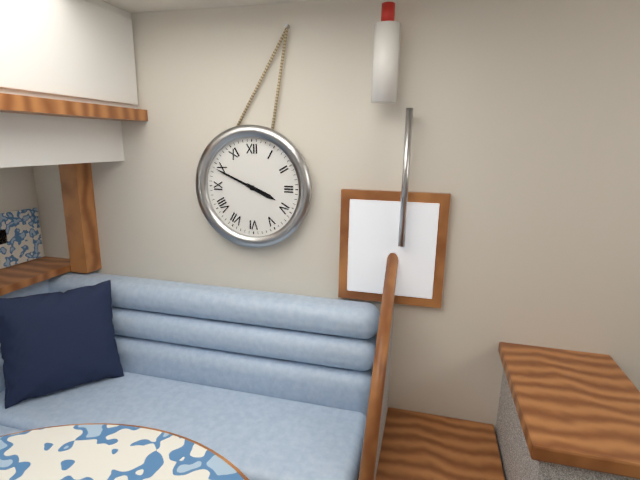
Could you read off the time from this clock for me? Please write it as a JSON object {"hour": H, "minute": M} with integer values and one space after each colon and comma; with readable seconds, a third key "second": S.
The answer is {"hour": 3, "minute": 49}
